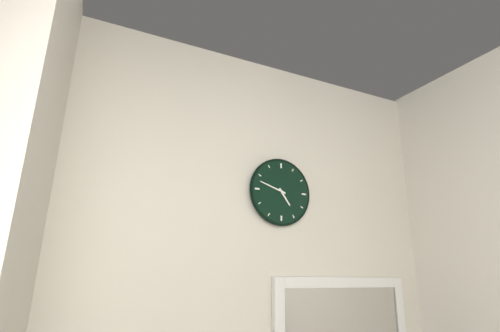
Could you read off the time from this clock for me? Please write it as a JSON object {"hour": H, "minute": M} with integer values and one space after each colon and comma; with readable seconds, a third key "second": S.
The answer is {"hour": 4, "minute": 48}
